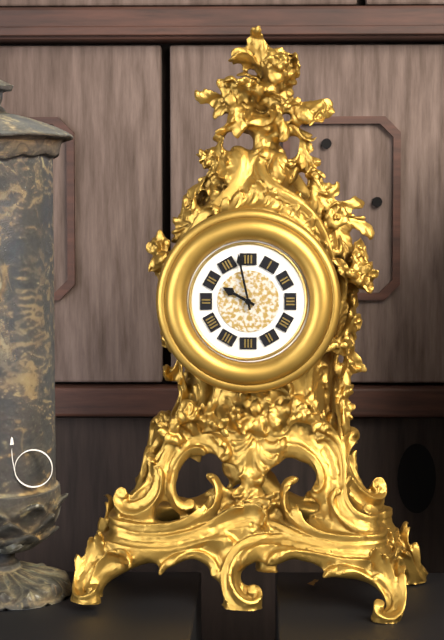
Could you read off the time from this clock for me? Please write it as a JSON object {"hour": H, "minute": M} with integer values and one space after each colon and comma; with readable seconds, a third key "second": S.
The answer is {"hour": 9, "minute": 58}
